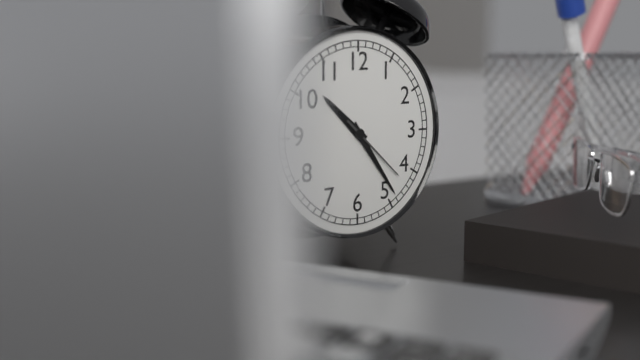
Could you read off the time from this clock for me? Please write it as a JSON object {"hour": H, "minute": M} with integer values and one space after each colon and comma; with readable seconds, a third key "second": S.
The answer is {"hour": 10, "minute": 24, "second": 22}
